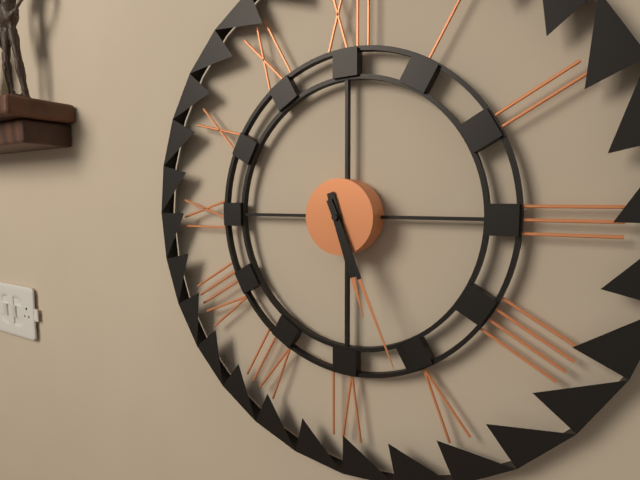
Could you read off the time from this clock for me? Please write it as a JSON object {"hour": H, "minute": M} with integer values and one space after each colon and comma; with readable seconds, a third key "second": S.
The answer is {"hour": 5, "minute": 26}
